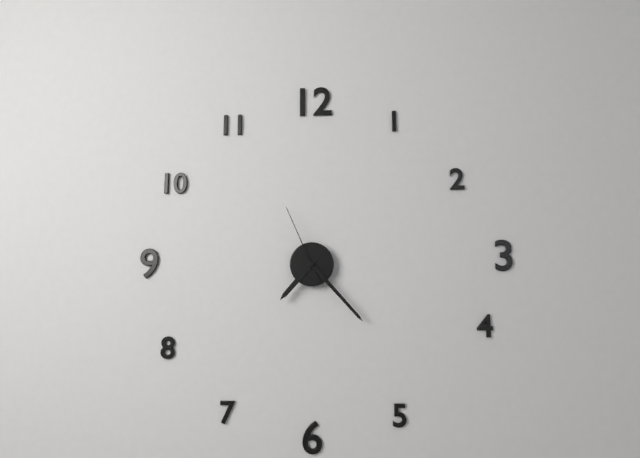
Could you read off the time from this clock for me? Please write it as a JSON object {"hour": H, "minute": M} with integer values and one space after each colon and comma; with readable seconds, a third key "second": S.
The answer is {"hour": 7, "minute": 23, "second": 56}
